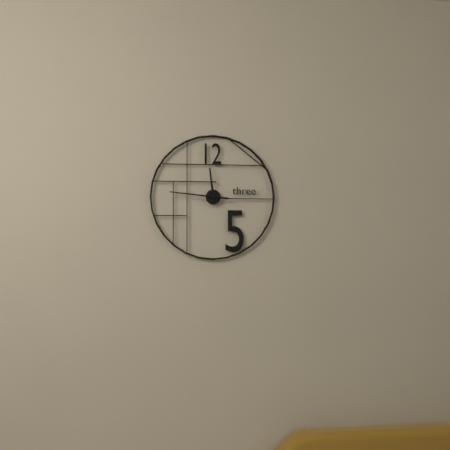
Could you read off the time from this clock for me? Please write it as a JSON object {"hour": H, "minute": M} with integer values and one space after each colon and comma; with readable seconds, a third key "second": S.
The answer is {"hour": 11, "minute": 46}
